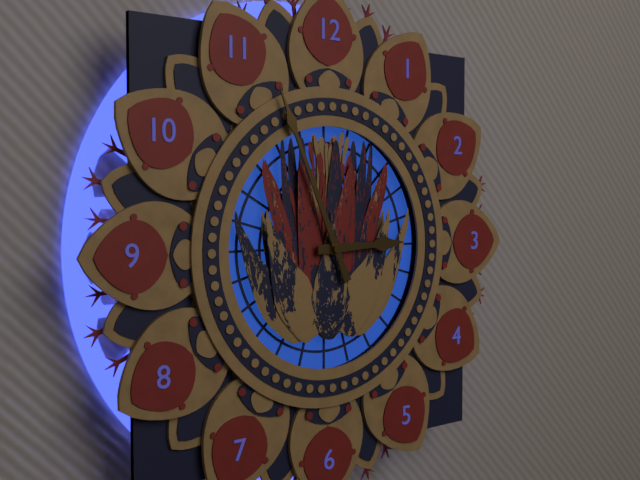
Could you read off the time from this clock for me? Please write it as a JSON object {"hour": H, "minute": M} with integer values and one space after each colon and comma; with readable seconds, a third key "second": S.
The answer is {"hour": 2, "minute": 56}
